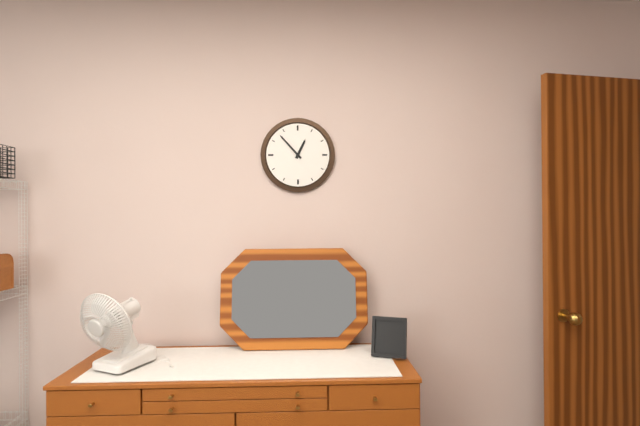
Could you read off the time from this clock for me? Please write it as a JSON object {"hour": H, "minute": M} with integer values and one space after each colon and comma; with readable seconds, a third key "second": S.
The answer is {"hour": 12, "minute": 53}
